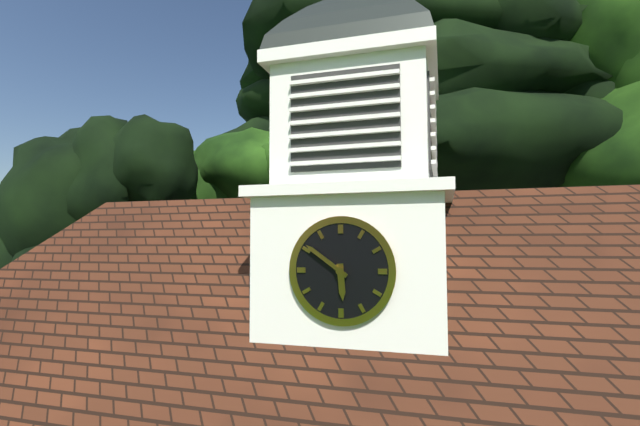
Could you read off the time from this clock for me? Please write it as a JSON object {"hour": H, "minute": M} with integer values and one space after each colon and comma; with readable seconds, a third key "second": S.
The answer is {"hour": 5, "minute": 51}
